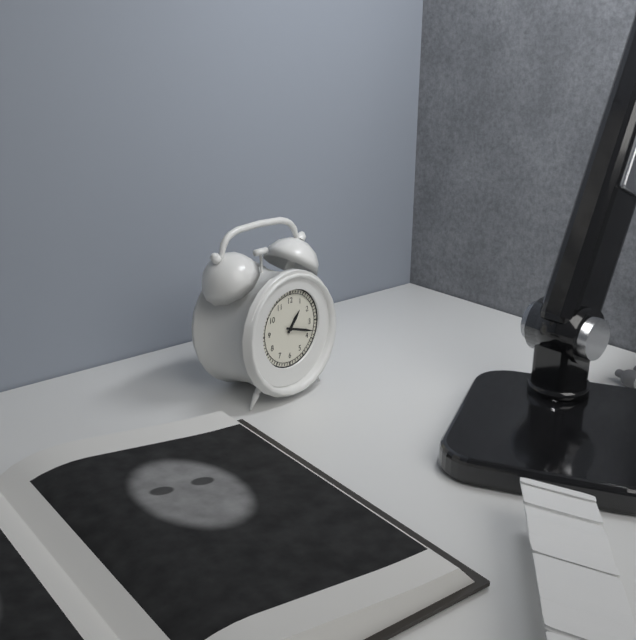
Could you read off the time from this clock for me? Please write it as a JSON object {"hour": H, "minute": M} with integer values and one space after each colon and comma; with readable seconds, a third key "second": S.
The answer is {"hour": 1, "minute": 18}
